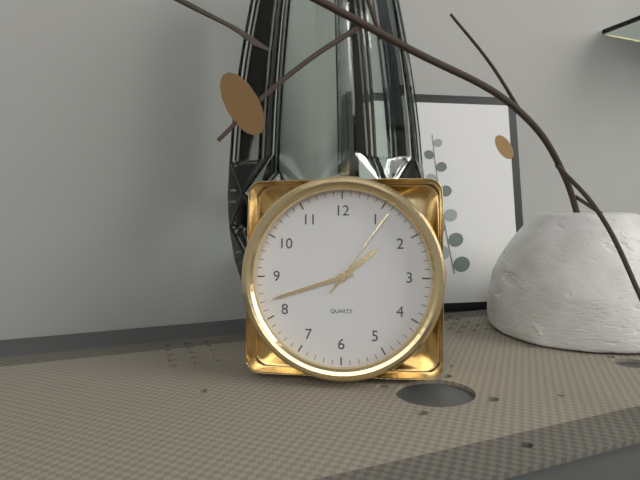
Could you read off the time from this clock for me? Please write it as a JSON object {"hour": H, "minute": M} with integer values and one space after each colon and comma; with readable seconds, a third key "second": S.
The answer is {"hour": 1, "minute": 42, "second": 6}
